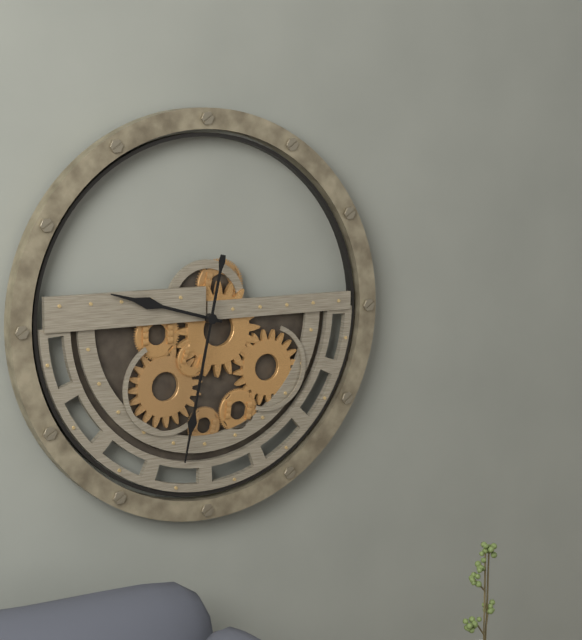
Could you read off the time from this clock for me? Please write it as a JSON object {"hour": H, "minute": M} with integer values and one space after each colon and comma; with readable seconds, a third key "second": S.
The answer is {"hour": 9, "minute": 32}
